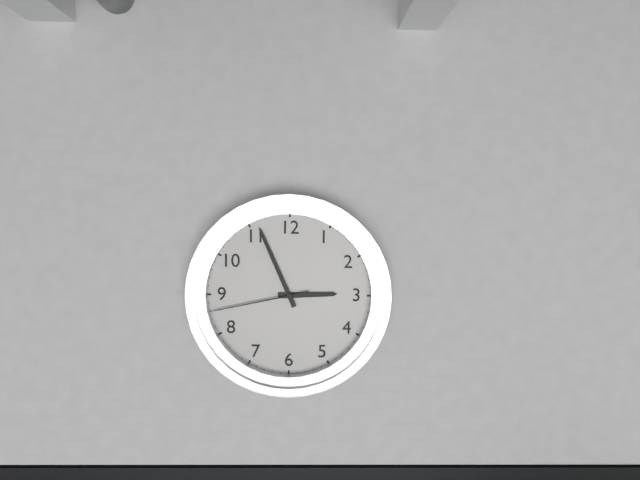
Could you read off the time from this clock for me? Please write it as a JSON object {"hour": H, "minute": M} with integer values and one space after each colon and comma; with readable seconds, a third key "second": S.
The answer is {"hour": 2, "minute": 56, "second": 43}
